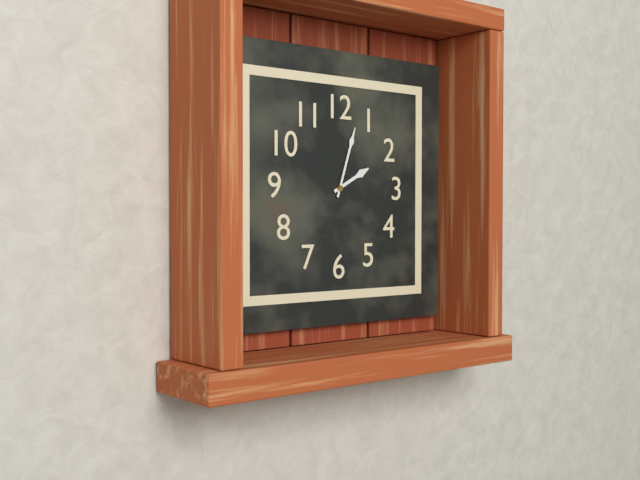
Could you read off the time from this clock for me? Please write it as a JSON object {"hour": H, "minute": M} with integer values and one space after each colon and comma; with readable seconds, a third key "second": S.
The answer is {"hour": 2, "minute": 3}
